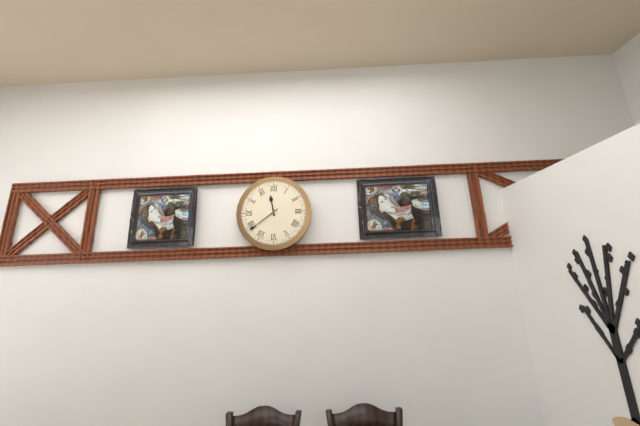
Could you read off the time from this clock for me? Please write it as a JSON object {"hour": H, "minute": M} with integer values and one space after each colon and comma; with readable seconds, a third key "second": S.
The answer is {"hour": 11, "minute": 39}
